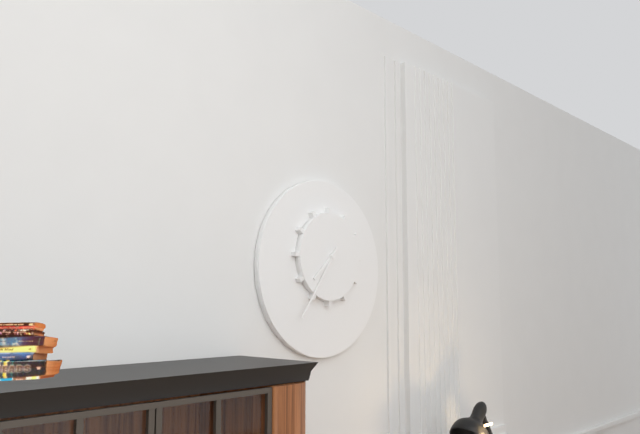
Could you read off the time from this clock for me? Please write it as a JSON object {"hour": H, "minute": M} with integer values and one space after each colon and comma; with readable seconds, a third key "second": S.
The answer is {"hour": 7, "minute": 36}
